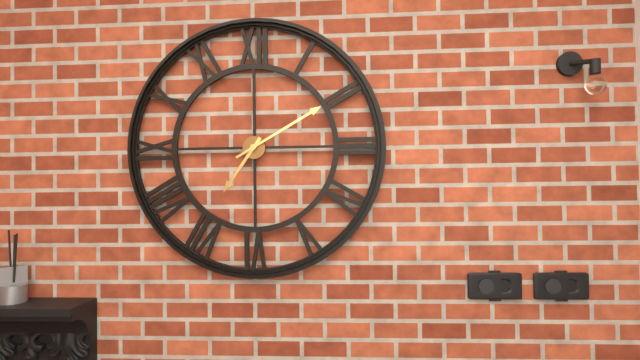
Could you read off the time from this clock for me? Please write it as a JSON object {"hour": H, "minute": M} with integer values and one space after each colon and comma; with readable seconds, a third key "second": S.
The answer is {"hour": 7, "minute": 10}
